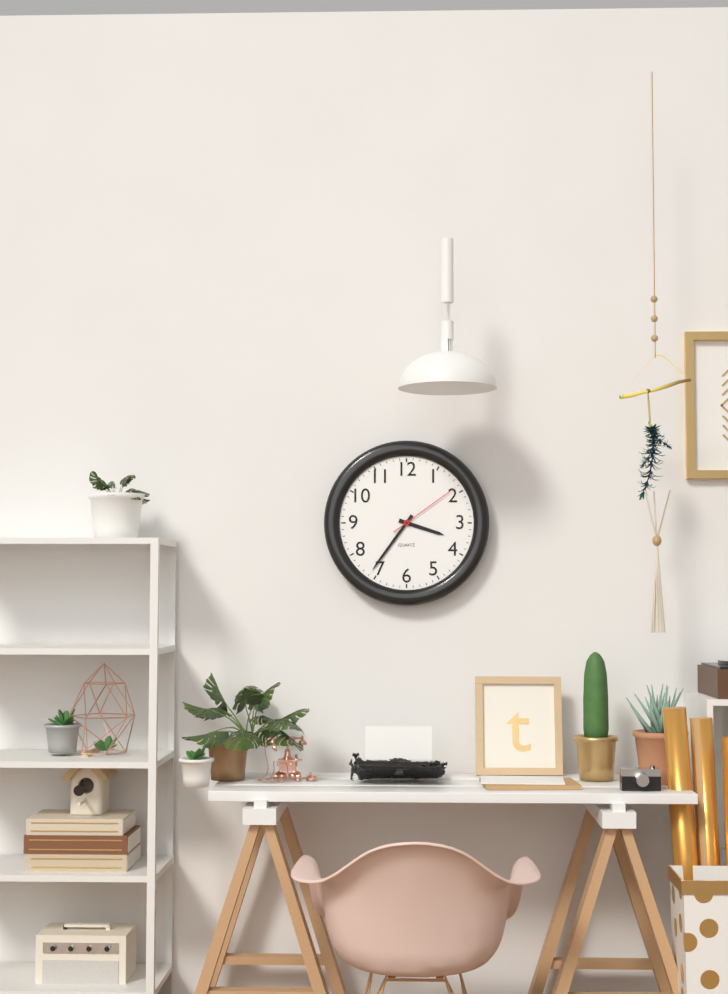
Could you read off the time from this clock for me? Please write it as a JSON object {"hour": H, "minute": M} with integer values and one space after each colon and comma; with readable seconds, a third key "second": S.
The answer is {"hour": 3, "minute": 36, "second": 9}
